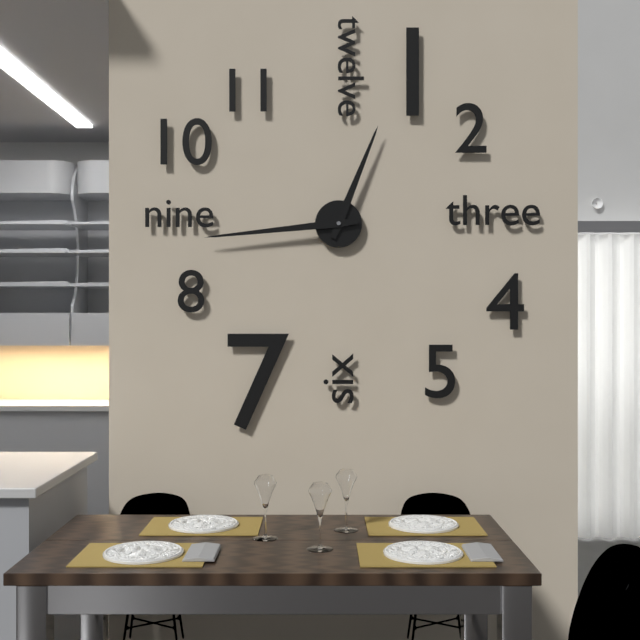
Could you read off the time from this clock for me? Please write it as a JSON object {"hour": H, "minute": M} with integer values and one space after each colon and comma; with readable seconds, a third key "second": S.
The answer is {"hour": 12, "minute": 44}
